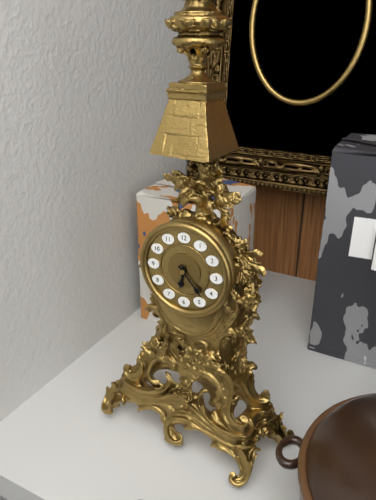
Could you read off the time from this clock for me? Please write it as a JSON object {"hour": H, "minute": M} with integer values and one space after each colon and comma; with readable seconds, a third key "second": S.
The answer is {"hour": 6, "minute": 23}
